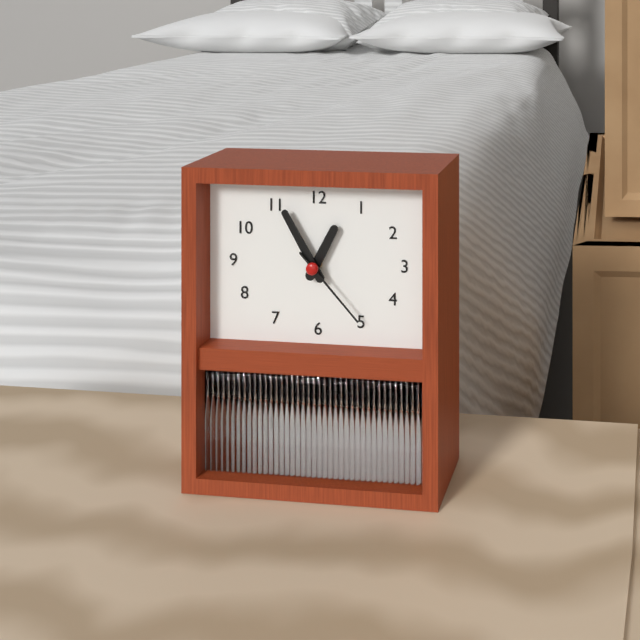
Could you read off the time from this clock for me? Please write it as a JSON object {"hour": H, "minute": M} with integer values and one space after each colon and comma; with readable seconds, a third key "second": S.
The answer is {"hour": 12, "minute": 55, "second": 23}
